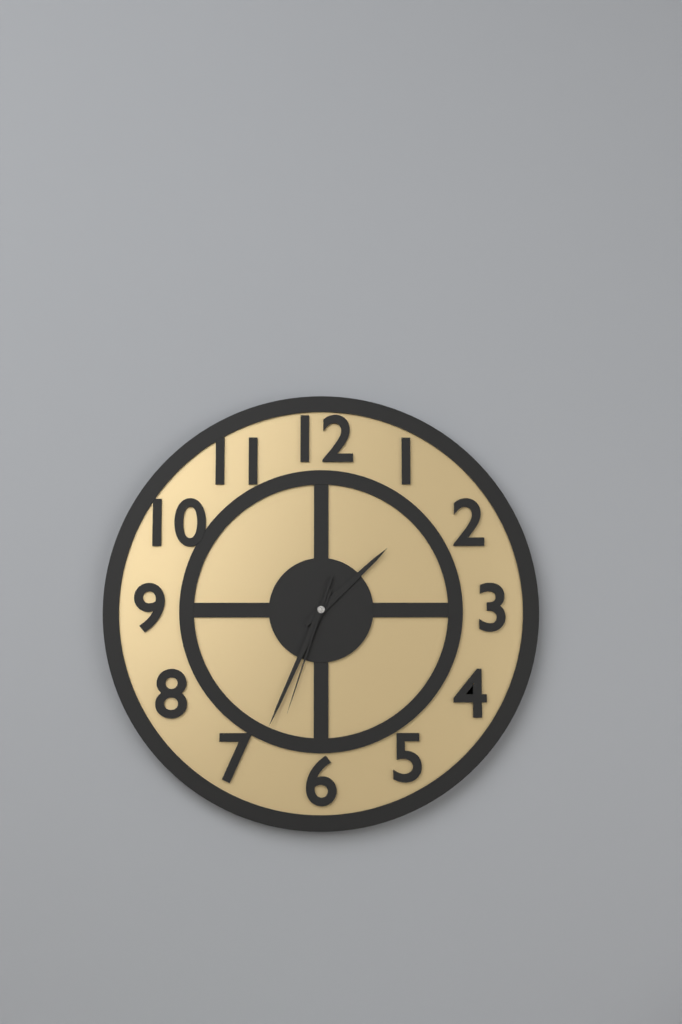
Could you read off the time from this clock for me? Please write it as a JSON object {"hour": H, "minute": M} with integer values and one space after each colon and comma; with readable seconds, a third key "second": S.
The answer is {"hour": 1, "minute": 34, "second": 33}
